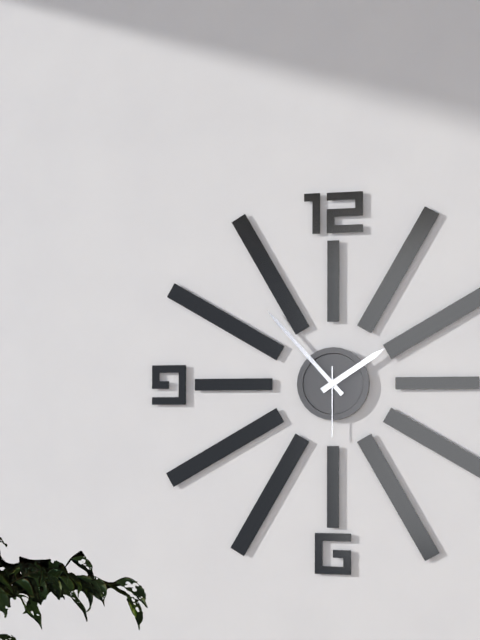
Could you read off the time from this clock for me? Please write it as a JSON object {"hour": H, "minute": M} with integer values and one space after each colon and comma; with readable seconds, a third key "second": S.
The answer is {"hour": 1, "minute": 53, "second": 30}
